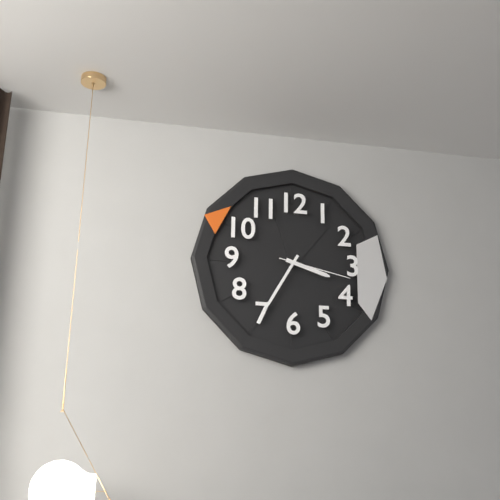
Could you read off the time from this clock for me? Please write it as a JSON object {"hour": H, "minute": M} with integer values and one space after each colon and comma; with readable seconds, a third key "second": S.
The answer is {"hour": 3, "minute": 35, "second": 17}
